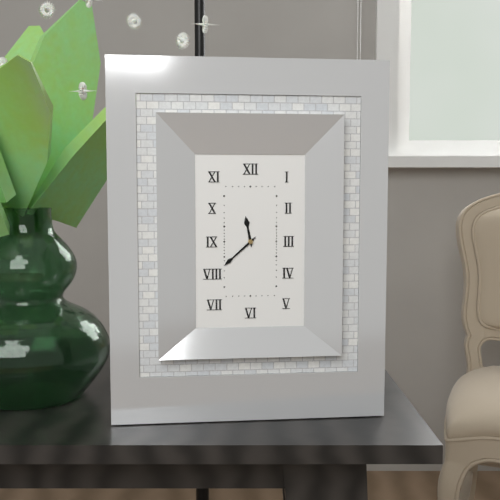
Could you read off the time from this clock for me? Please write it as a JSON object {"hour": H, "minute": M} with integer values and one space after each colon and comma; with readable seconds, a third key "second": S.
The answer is {"hour": 11, "minute": 38}
